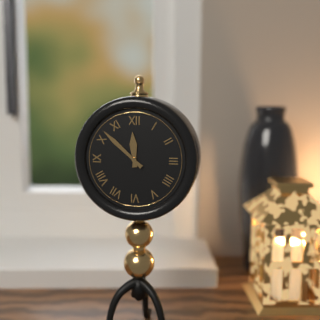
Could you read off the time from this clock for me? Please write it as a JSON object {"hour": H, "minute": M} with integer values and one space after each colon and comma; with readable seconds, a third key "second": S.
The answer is {"hour": 11, "minute": 52}
